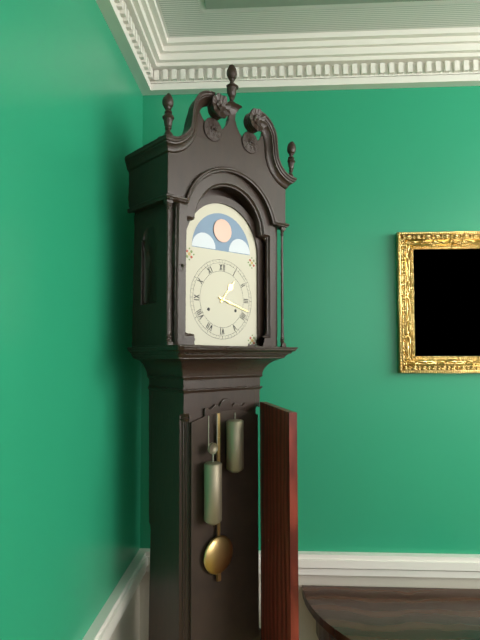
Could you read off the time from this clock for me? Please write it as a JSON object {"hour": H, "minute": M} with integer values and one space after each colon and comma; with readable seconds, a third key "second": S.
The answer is {"hour": 1, "minute": 18}
